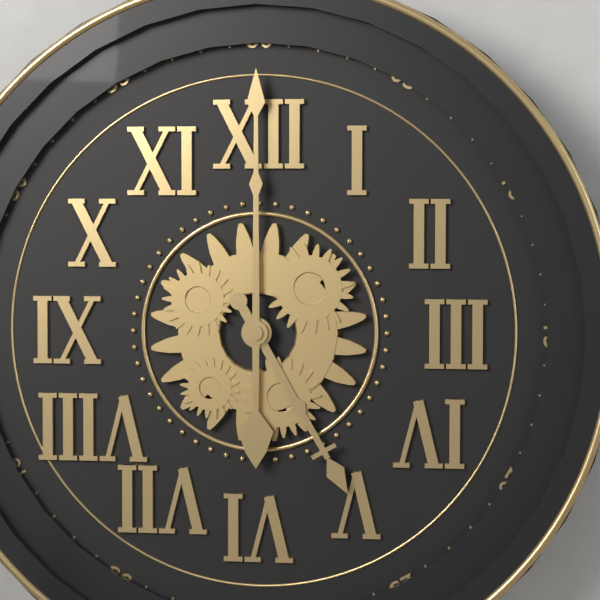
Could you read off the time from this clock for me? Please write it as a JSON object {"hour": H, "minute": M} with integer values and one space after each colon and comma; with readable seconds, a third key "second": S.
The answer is {"hour": 5, "minute": 0}
